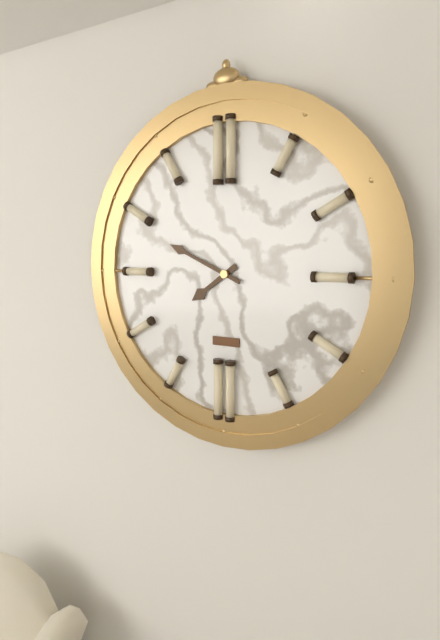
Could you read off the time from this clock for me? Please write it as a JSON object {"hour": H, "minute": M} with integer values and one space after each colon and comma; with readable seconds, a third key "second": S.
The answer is {"hour": 7, "minute": 49}
